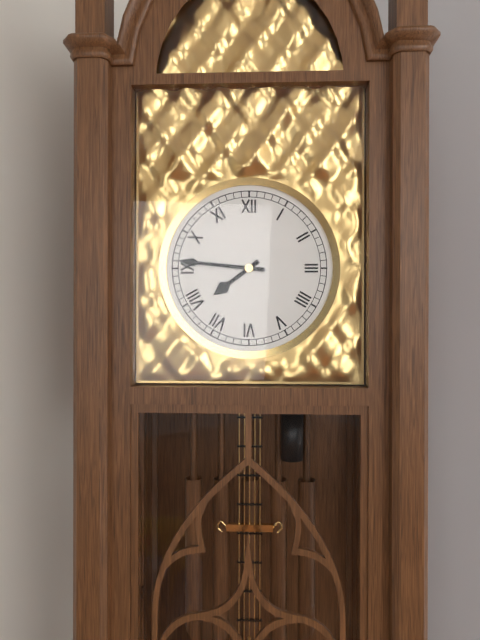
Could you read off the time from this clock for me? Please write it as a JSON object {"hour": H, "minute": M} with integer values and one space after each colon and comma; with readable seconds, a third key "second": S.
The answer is {"hour": 7, "minute": 46}
